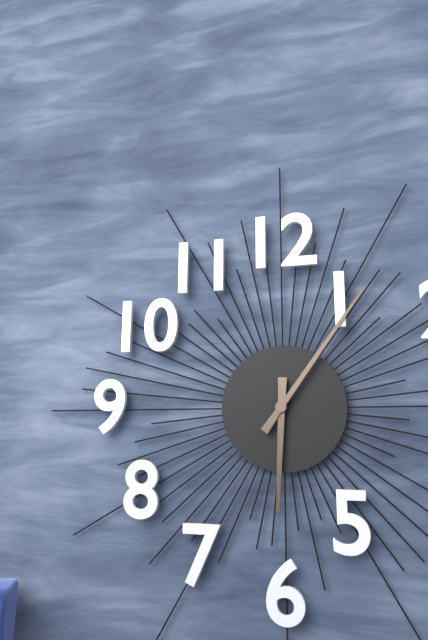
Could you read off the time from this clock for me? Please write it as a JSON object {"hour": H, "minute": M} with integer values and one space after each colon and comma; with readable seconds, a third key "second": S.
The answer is {"hour": 6, "minute": 6}
